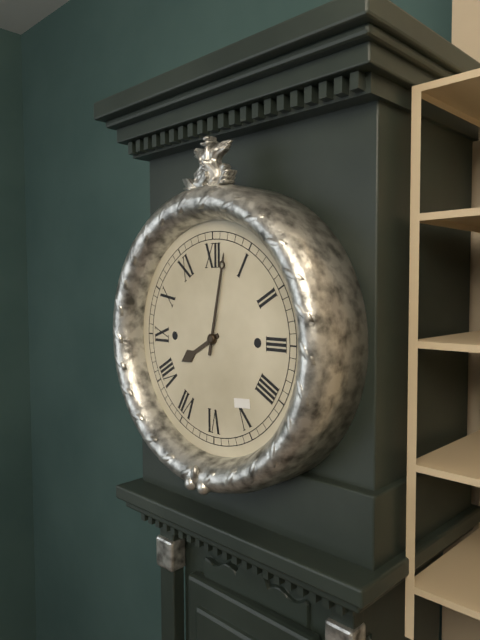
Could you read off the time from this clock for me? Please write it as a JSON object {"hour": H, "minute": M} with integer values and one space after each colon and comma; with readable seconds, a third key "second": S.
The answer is {"hour": 8, "minute": 2}
